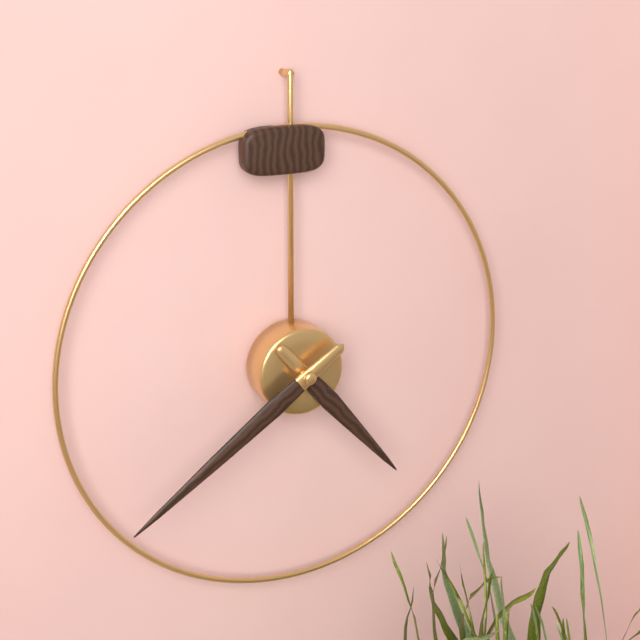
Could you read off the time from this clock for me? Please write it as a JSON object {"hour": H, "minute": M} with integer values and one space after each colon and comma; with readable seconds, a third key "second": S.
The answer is {"hour": 4, "minute": 39}
